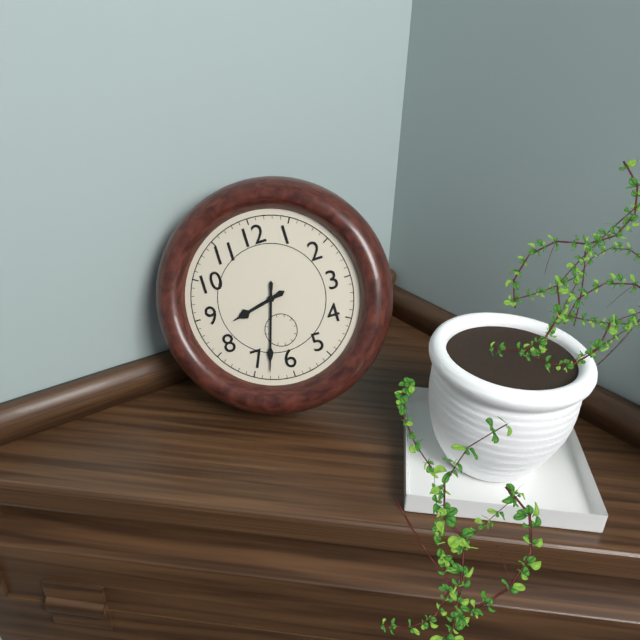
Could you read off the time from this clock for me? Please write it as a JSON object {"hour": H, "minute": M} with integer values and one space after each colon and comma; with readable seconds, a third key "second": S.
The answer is {"hour": 8, "minute": 33}
